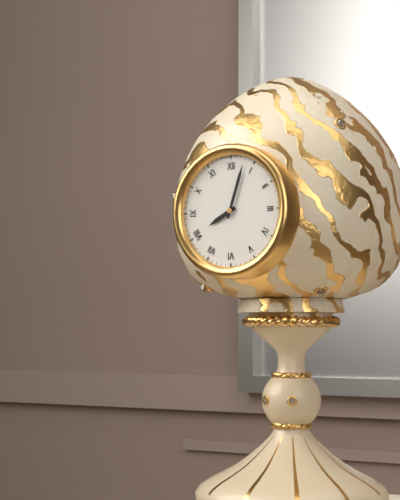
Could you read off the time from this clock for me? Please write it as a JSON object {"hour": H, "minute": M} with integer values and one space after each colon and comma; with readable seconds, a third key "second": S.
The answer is {"hour": 8, "minute": 3}
